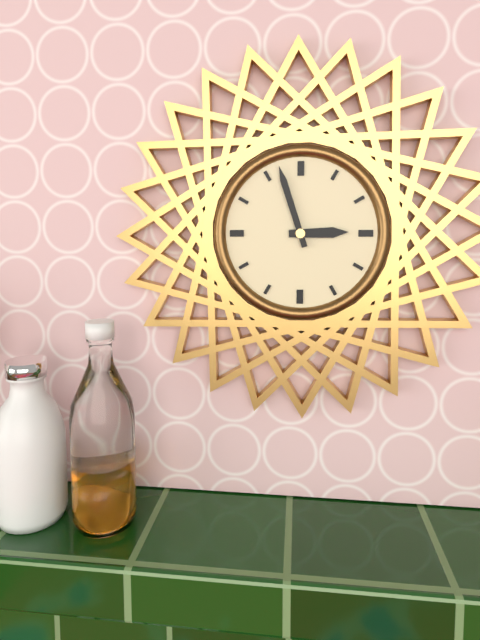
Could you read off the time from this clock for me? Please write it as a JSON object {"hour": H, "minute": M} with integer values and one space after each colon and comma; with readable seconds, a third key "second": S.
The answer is {"hour": 2, "minute": 57}
